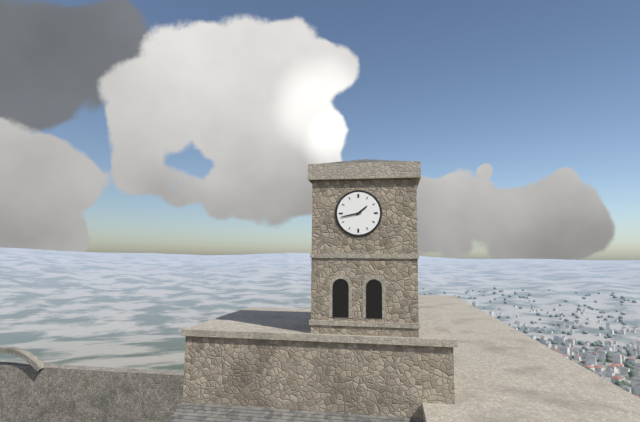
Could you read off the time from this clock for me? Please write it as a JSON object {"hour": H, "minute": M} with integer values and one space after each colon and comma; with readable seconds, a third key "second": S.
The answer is {"hour": 1, "minute": 43}
